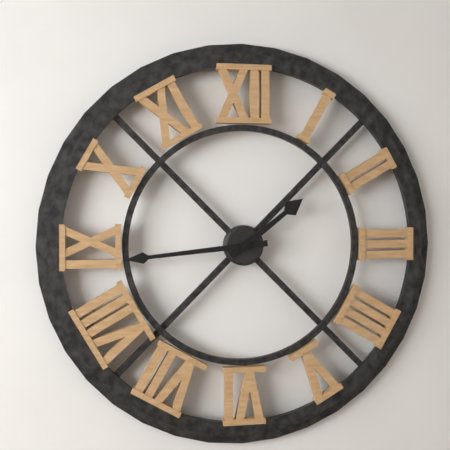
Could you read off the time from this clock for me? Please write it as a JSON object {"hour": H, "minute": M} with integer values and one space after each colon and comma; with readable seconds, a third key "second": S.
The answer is {"hour": 1, "minute": 44}
